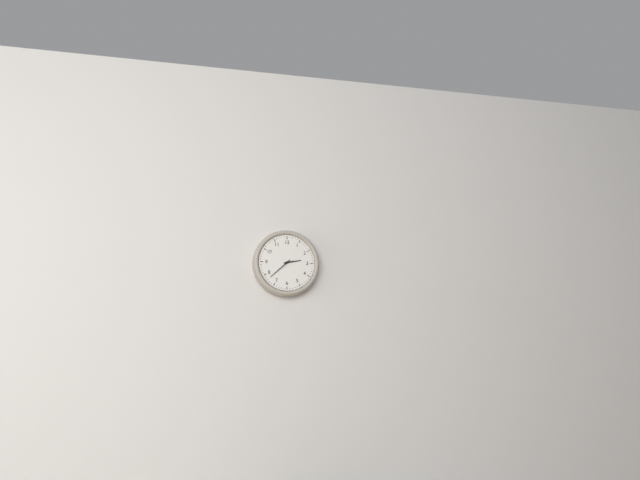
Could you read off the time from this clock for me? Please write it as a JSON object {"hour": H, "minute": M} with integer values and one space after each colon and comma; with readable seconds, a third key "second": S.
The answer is {"hour": 2, "minute": 38}
